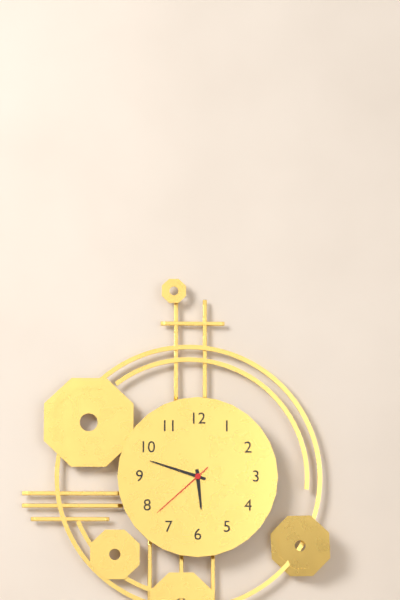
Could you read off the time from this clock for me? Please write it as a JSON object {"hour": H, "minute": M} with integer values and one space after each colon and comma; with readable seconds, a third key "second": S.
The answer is {"hour": 5, "minute": 48, "second": 38}
